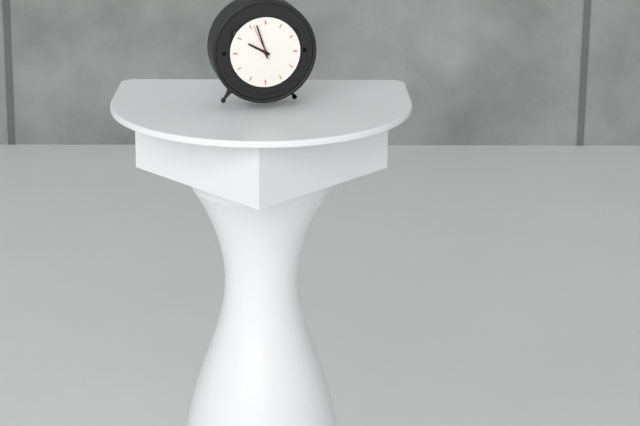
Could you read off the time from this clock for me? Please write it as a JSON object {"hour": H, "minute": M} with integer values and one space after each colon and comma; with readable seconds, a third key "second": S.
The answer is {"hour": 9, "minute": 57}
